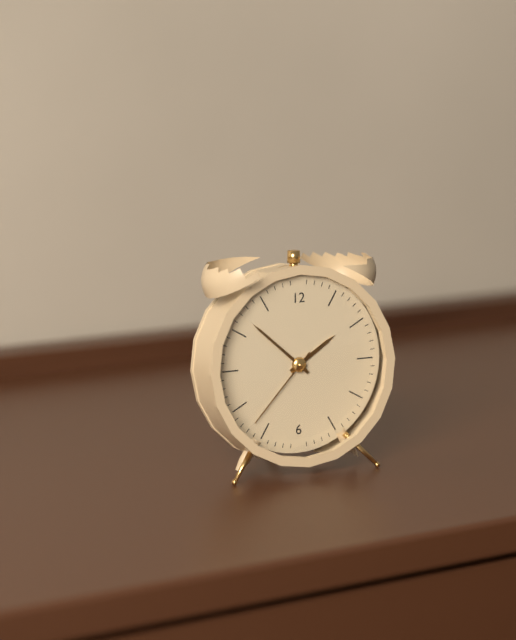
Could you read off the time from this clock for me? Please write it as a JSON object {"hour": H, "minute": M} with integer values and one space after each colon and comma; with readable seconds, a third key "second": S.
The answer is {"hour": 1, "minute": 52, "second": 37}
